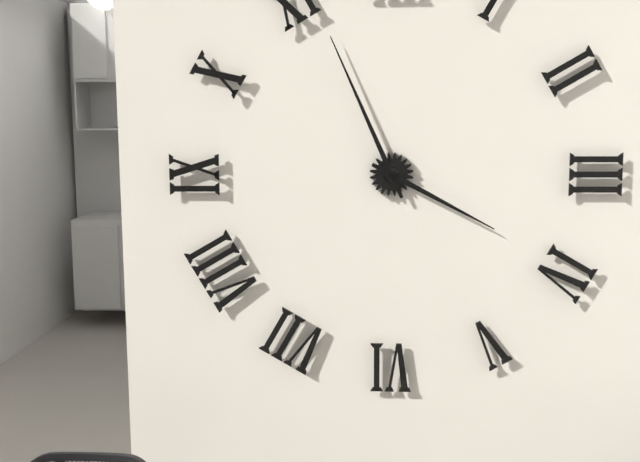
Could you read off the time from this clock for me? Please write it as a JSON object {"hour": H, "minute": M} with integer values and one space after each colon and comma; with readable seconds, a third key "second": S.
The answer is {"hour": 3, "minute": 56}
